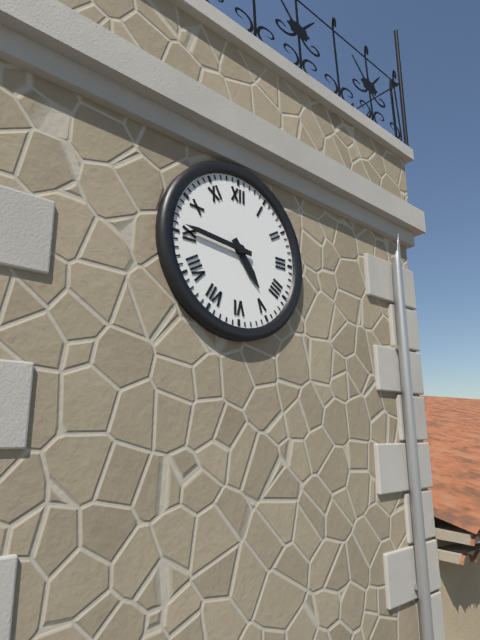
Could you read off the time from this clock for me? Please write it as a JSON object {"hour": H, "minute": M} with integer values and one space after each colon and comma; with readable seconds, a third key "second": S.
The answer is {"hour": 4, "minute": 46}
